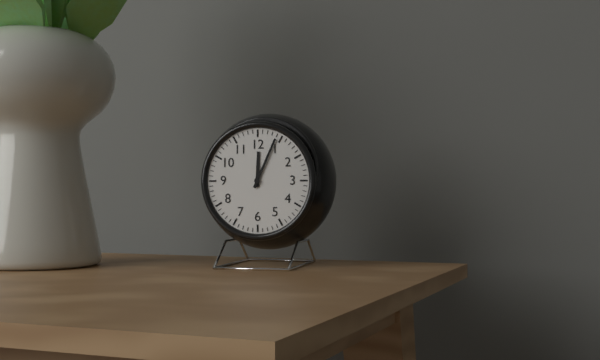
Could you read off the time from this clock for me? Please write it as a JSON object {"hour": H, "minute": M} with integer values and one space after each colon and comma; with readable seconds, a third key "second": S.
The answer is {"hour": 12, "minute": 4}
